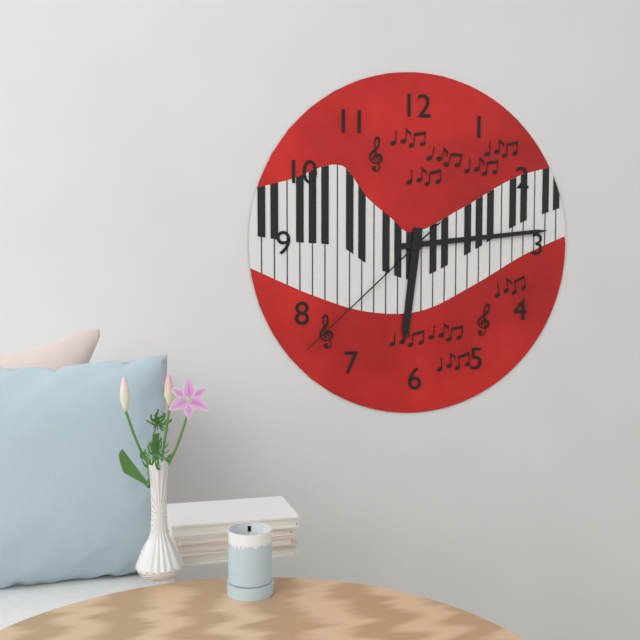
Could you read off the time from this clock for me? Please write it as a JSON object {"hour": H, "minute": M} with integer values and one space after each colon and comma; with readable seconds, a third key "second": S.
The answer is {"hour": 6, "minute": 14, "second": 38}
